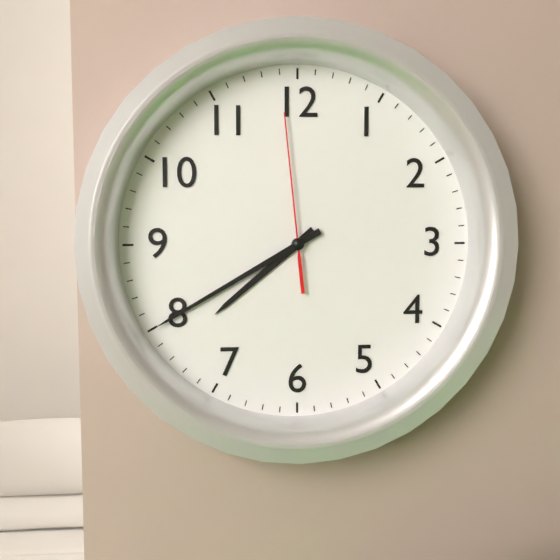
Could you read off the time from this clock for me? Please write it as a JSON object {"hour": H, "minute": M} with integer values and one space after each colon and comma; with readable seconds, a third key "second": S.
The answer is {"hour": 7, "minute": 40, "second": 59}
